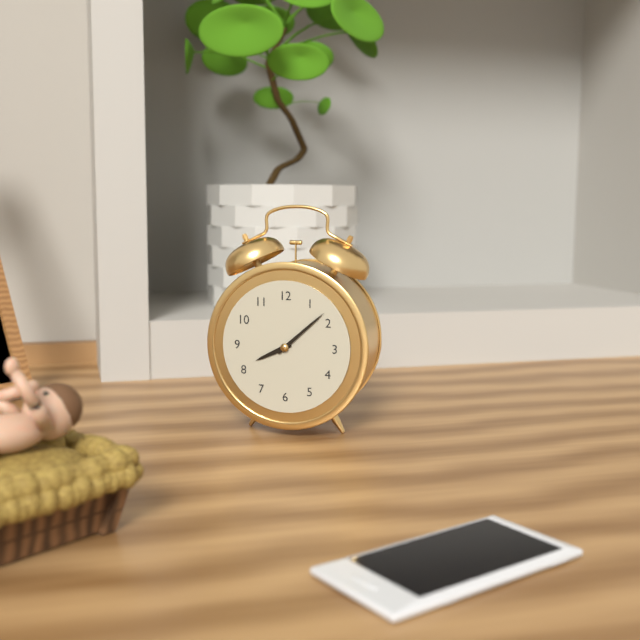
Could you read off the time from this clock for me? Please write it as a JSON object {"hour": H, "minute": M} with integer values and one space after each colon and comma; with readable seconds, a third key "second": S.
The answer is {"hour": 8, "minute": 8}
